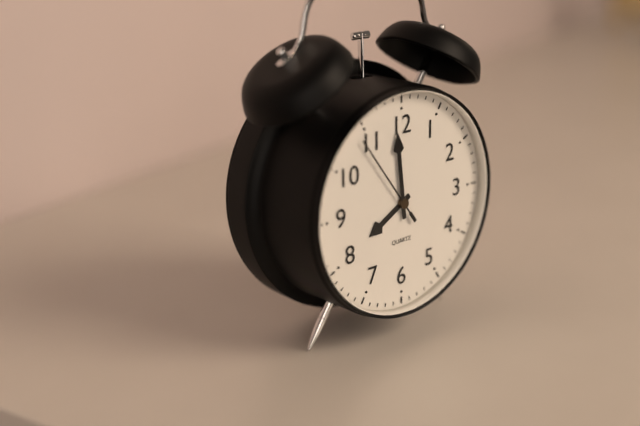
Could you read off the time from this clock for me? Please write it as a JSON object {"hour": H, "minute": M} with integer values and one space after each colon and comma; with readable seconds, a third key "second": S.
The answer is {"hour": 7, "minute": 59, "second": 54}
